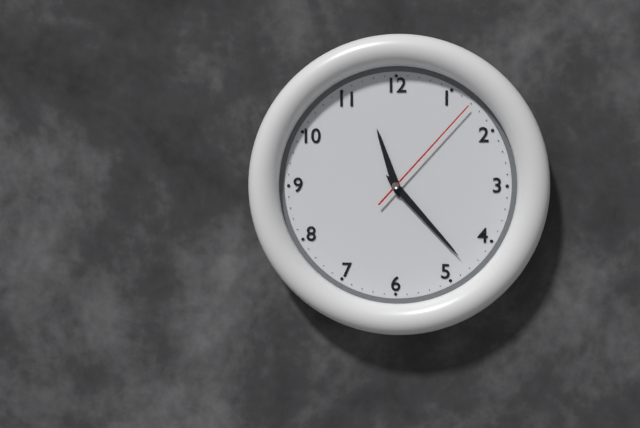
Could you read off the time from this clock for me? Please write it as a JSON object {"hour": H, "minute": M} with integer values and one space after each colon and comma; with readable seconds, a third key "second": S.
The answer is {"hour": 11, "minute": 23, "second": 7}
